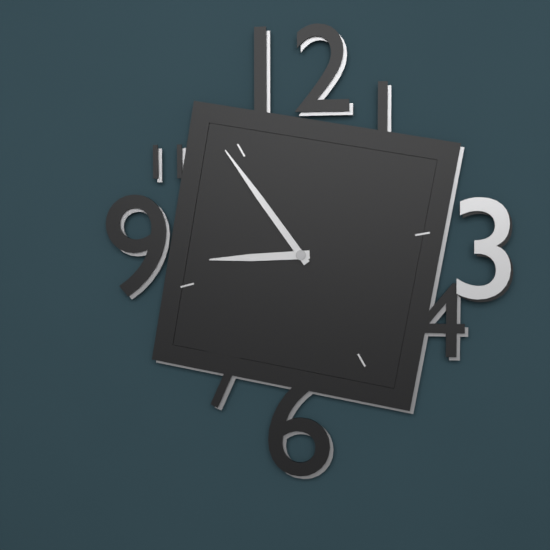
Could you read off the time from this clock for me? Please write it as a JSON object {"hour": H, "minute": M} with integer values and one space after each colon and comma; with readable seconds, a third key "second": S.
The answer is {"hour": 8, "minute": 54}
